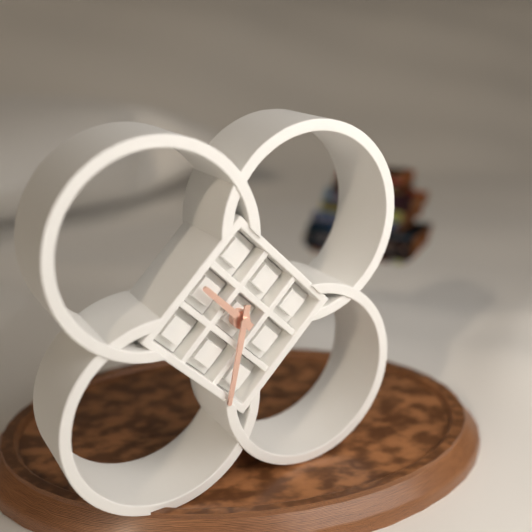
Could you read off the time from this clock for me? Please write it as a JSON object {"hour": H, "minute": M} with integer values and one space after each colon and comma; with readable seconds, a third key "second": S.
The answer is {"hour": 10, "minute": 32}
